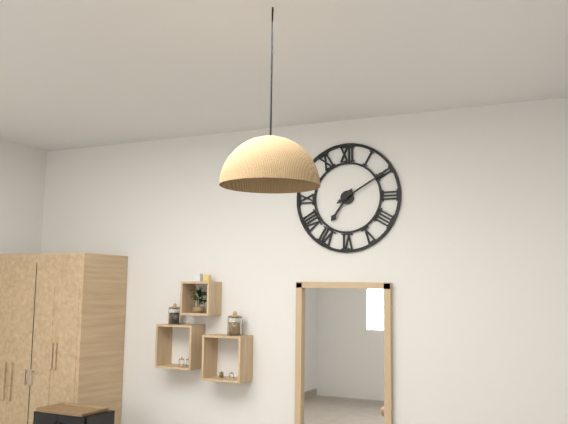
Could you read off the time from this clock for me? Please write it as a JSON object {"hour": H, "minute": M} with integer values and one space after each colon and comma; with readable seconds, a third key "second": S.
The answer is {"hour": 7, "minute": 10}
